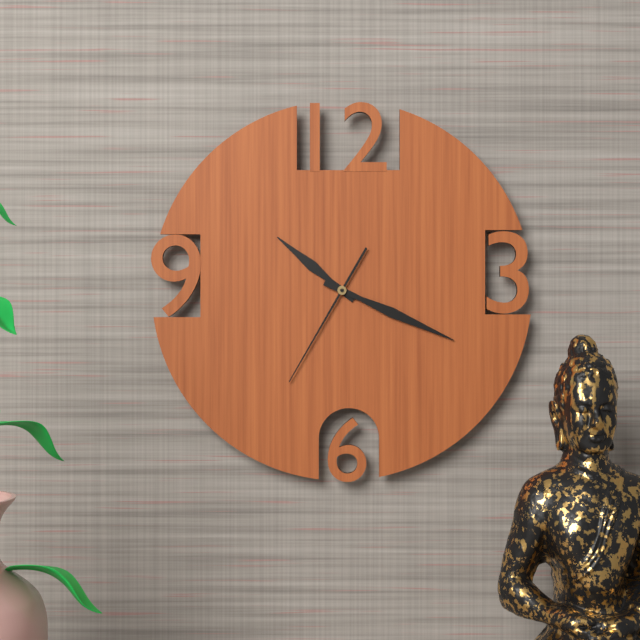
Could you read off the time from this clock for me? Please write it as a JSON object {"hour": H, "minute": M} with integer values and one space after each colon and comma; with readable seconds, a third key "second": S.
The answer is {"hour": 10, "minute": 19, "second": 35}
